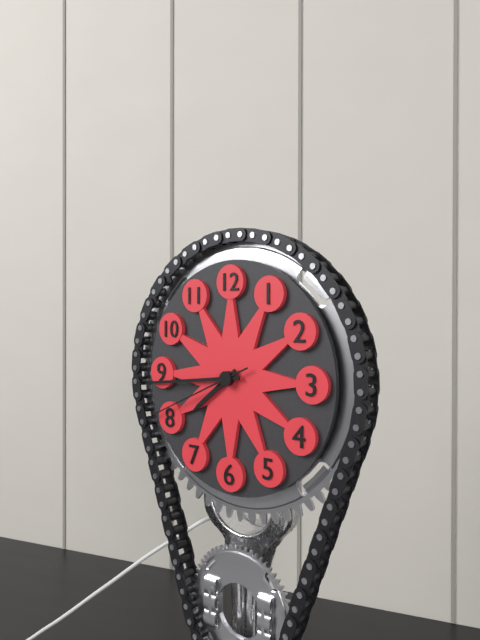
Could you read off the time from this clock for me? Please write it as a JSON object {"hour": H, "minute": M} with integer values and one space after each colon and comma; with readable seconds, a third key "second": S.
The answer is {"hour": 7, "minute": 44, "second": 41}
